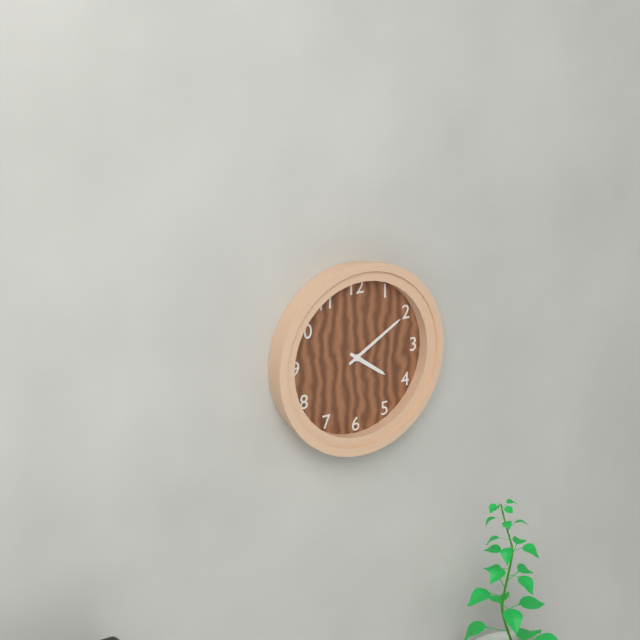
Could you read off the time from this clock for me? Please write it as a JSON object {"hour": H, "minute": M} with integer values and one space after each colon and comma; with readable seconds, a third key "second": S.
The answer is {"hour": 4, "minute": 10}
